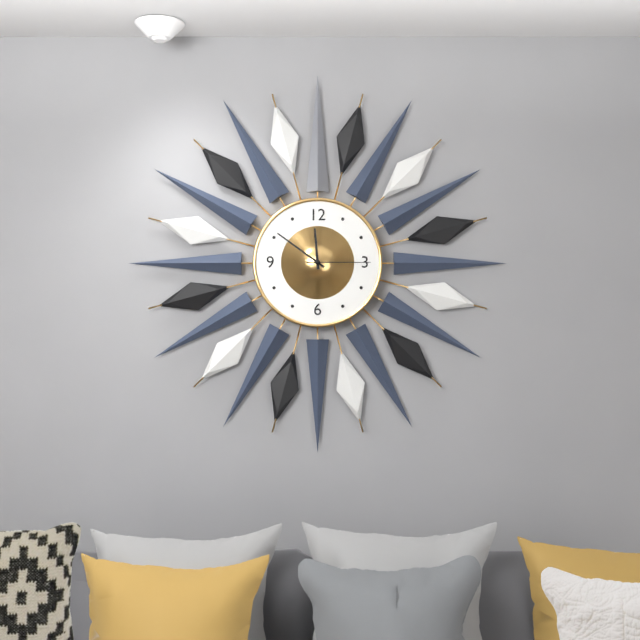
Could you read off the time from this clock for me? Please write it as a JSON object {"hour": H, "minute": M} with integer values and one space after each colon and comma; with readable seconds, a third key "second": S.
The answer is {"hour": 11, "minute": 51, "second": 15}
